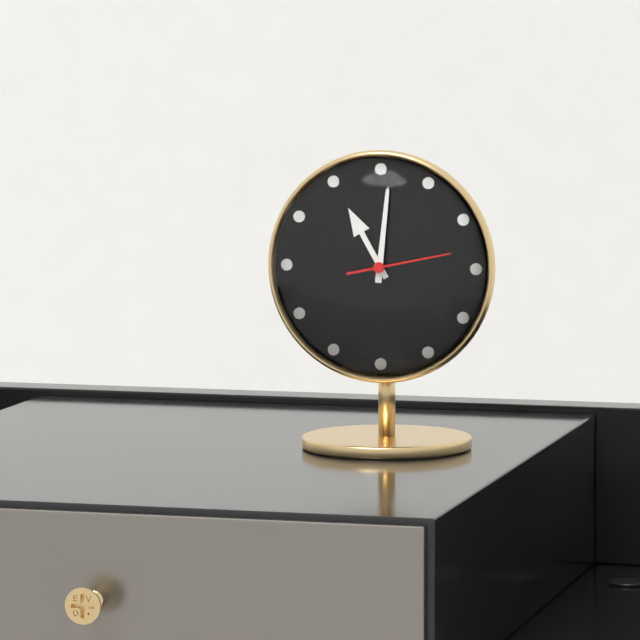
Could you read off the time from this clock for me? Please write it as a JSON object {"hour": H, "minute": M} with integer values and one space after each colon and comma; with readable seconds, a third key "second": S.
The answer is {"hour": 11, "minute": 1, "second": 13}
